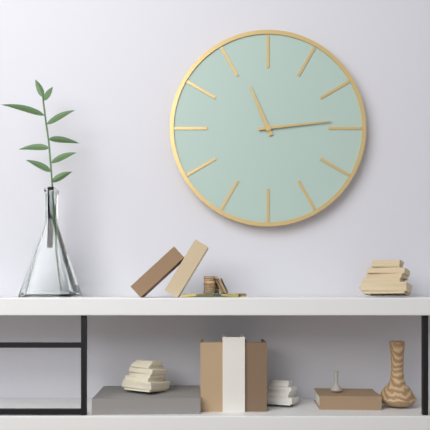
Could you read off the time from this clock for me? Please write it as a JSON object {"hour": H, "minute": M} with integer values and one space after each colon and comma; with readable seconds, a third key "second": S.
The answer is {"hour": 11, "minute": 14}
